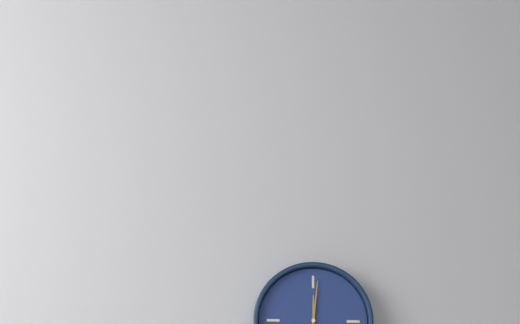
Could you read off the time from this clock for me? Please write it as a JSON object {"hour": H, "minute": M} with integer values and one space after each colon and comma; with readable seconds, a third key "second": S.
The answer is {"hour": 12, "minute": 1}
